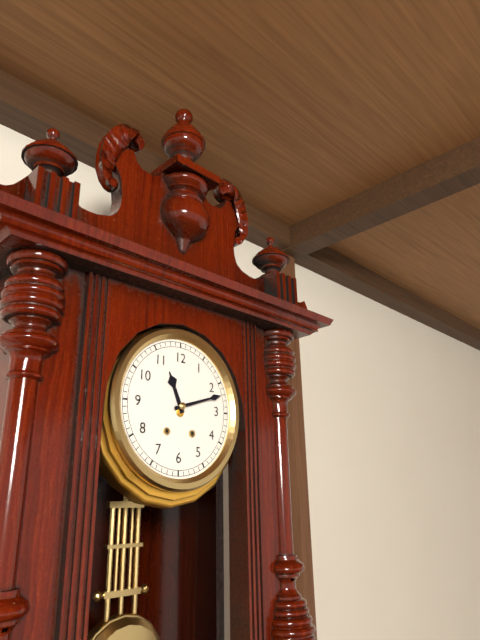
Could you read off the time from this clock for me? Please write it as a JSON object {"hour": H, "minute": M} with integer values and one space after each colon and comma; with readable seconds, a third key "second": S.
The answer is {"hour": 11, "minute": 12}
